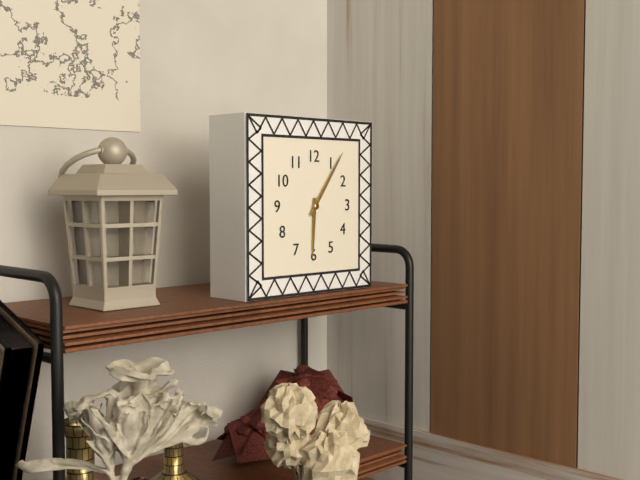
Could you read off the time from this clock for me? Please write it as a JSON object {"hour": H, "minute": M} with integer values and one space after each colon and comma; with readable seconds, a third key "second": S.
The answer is {"hour": 6, "minute": 6}
